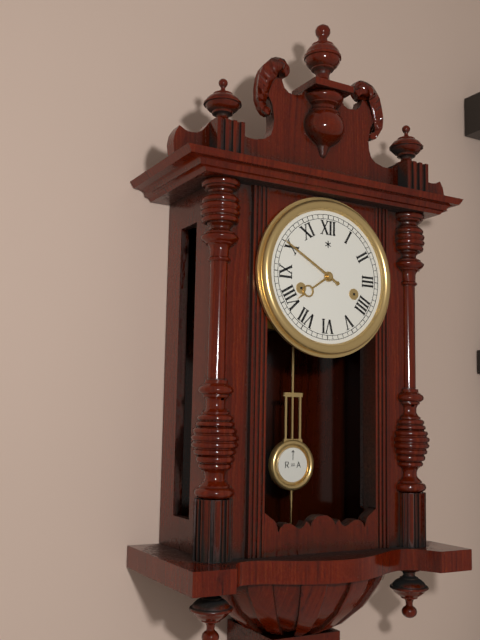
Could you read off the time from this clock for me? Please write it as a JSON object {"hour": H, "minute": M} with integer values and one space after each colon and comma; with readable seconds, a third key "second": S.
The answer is {"hour": 7, "minute": 50}
